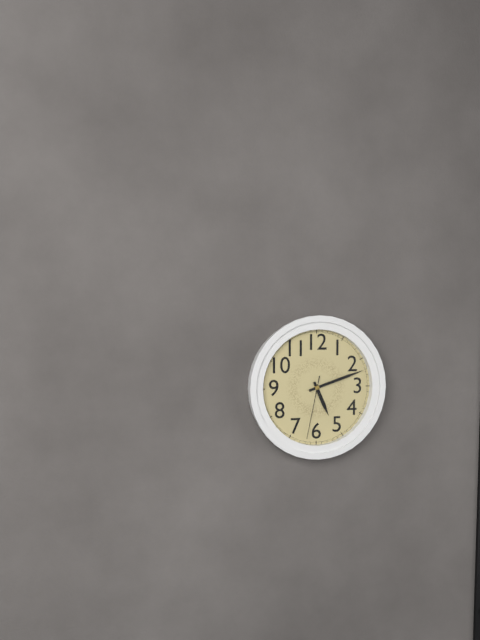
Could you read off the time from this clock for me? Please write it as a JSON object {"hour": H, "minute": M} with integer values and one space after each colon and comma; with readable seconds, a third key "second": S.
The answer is {"hour": 5, "minute": 12, "second": 32}
